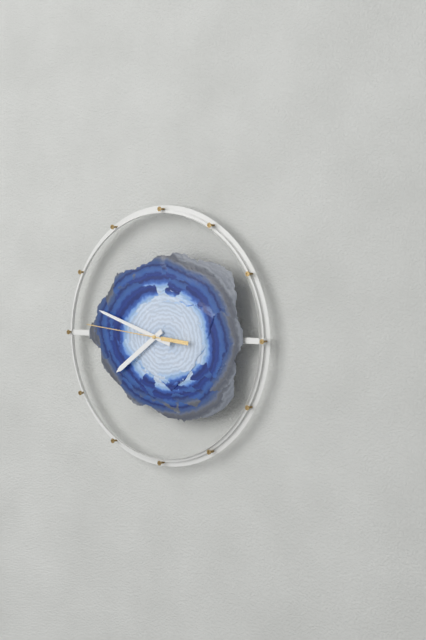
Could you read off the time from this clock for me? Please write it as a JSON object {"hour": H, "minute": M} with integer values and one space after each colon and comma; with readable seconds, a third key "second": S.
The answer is {"hour": 7, "minute": 48, "second": 46}
